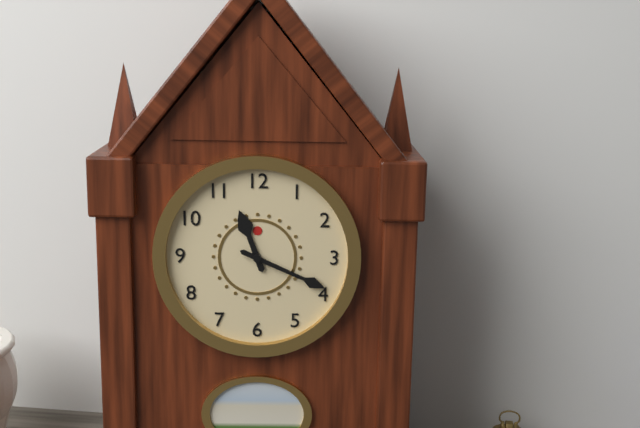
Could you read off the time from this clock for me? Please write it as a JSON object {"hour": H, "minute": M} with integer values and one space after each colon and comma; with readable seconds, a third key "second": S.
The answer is {"hour": 11, "minute": 19}
